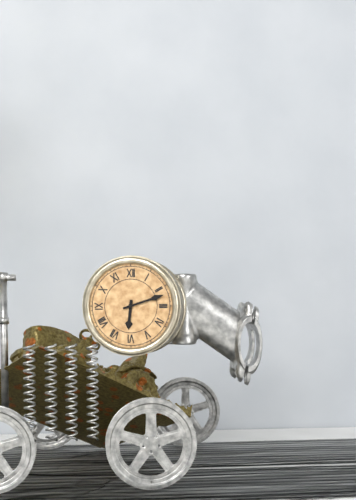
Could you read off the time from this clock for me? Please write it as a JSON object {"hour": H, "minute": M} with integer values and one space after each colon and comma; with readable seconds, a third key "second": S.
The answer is {"hour": 6, "minute": 12}
